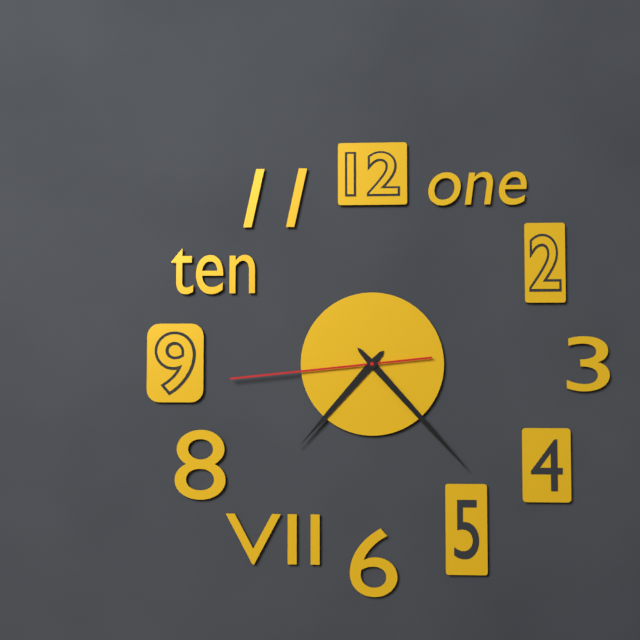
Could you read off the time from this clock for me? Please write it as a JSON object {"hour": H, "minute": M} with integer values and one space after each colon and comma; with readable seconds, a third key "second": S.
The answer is {"hour": 7, "minute": 23, "second": 44}
